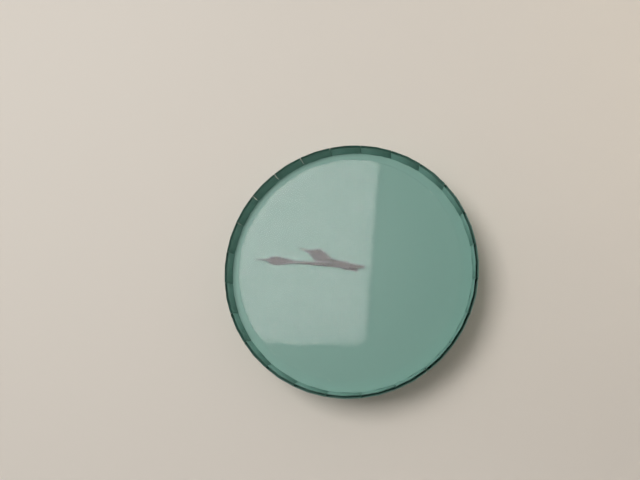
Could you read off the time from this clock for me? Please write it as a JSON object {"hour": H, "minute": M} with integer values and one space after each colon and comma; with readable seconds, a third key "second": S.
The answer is {"hour": 9, "minute": 46}
